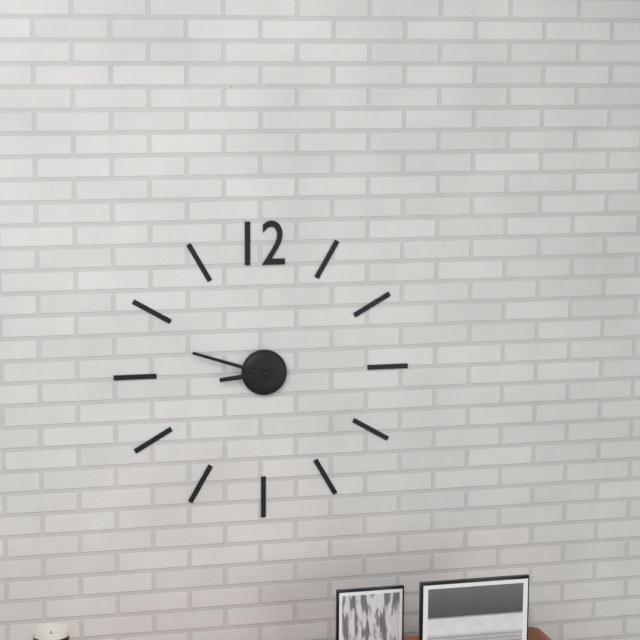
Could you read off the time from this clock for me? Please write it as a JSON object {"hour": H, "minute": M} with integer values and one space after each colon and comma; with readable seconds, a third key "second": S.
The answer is {"hour": 8, "minute": 48}
